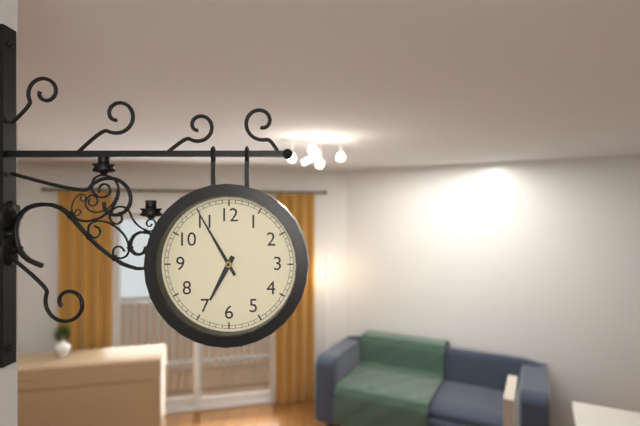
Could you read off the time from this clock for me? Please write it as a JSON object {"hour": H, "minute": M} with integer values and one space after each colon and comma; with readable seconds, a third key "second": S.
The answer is {"hour": 6, "minute": 55}
